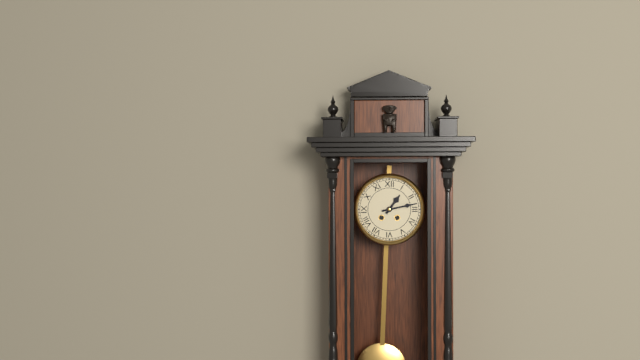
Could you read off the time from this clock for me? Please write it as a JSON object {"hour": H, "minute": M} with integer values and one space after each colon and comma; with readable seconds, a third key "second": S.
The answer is {"hour": 1, "minute": 13}
